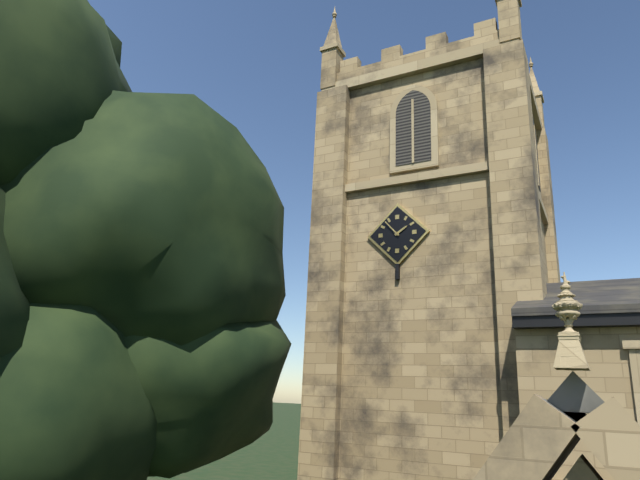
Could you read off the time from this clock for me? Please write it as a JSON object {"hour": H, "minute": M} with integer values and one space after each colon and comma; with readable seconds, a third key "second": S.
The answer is {"hour": 1, "minute": 53}
